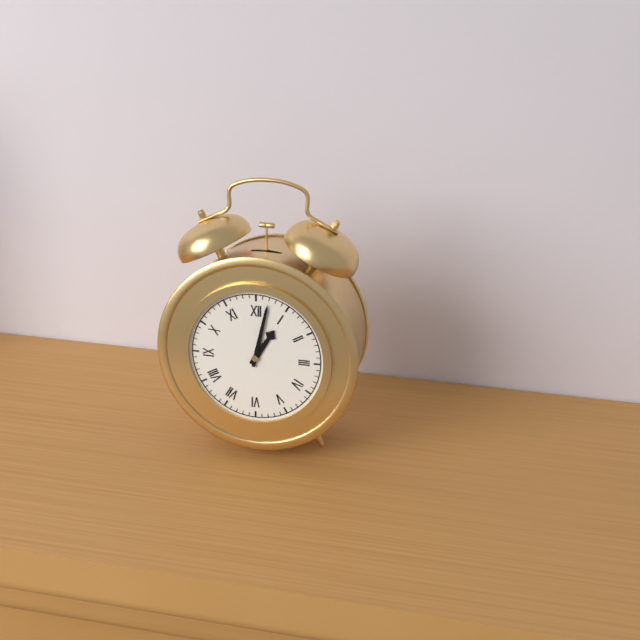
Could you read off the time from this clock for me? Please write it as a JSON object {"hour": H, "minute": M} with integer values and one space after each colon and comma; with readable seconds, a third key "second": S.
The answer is {"hour": 1, "minute": 2}
